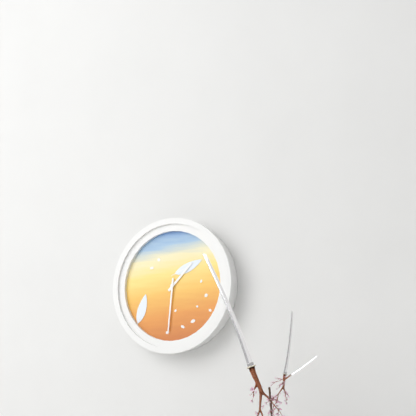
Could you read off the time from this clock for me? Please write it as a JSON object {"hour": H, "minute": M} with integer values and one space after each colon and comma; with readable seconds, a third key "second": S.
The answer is {"hour": 1, "minute": 31}
